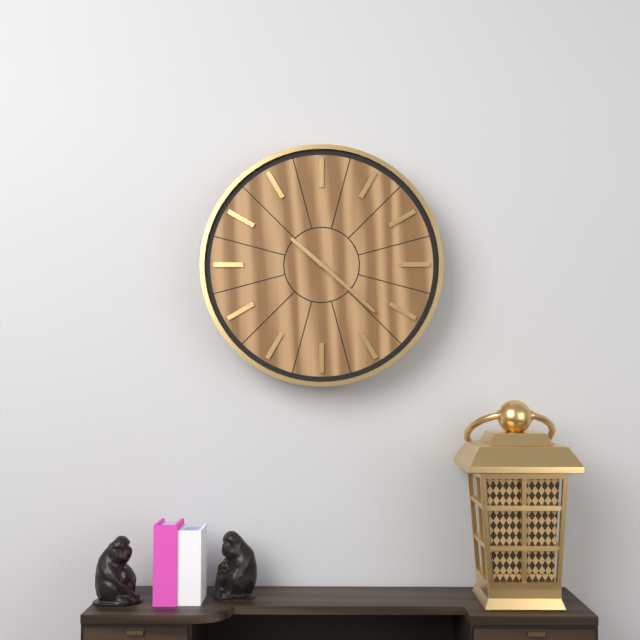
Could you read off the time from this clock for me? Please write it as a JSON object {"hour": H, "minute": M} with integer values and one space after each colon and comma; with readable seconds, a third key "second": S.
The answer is {"hour": 10, "minute": 22}
